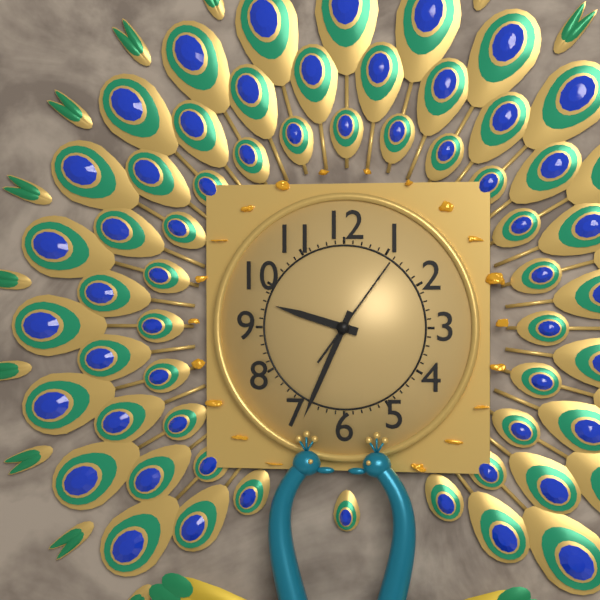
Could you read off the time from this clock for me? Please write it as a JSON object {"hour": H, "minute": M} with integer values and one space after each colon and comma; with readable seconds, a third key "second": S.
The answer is {"hour": 9, "minute": 34, "second": 6}
